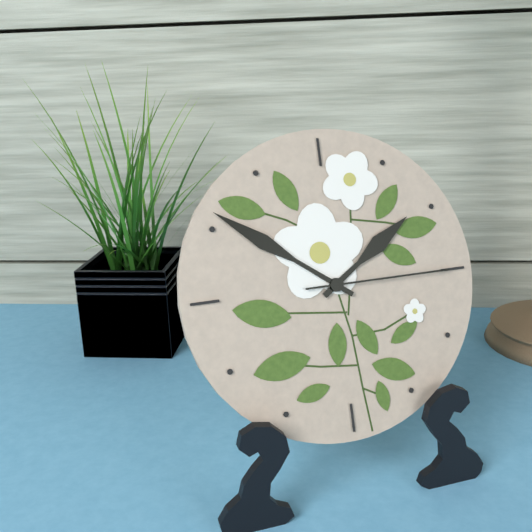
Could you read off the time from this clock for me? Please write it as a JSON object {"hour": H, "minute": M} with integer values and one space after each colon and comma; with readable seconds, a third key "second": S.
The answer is {"hour": 1, "minute": 51, "second": 15}
